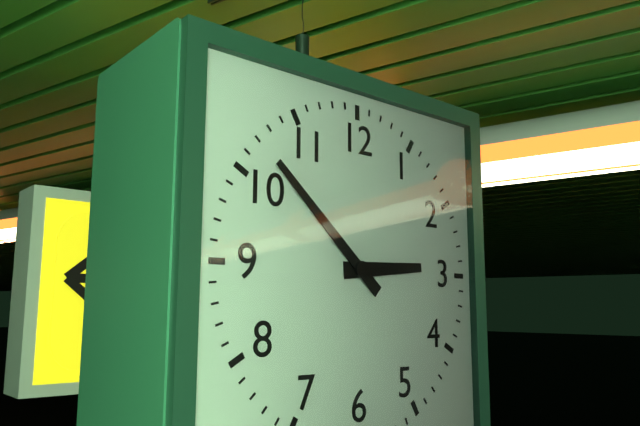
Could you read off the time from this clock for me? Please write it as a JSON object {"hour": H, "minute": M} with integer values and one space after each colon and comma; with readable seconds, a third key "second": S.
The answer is {"hour": 2, "minute": 52}
